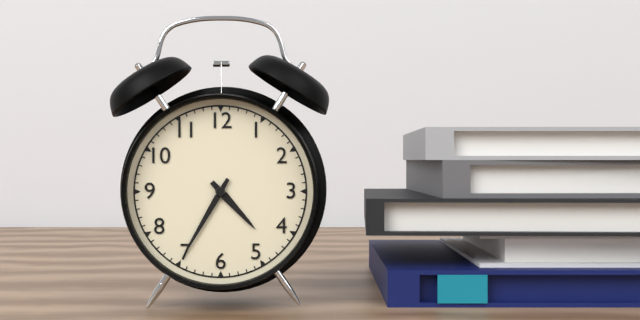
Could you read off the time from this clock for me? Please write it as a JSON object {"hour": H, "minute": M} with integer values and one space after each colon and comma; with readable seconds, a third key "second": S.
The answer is {"hour": 4, "minute": 35}
